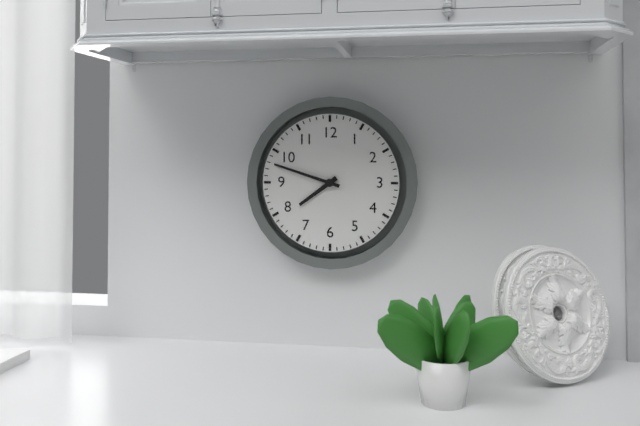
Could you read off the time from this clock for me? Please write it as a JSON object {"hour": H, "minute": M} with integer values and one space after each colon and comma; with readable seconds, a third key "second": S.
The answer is {"hour": 7, "minute": 48}
